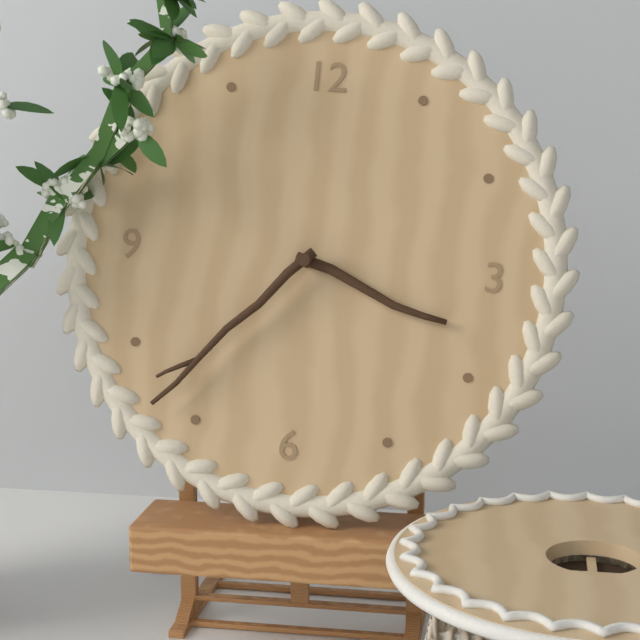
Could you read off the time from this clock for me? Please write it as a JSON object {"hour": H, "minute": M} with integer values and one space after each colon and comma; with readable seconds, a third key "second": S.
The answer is {"hour": 3, "minute": 37}
